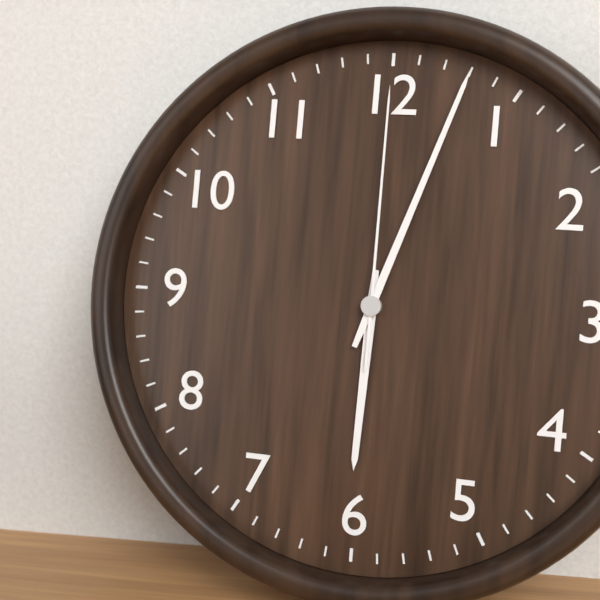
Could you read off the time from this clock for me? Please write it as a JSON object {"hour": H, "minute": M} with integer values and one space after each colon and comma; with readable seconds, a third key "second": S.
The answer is {"hour": 6, "minute": 3, "second": 0}
